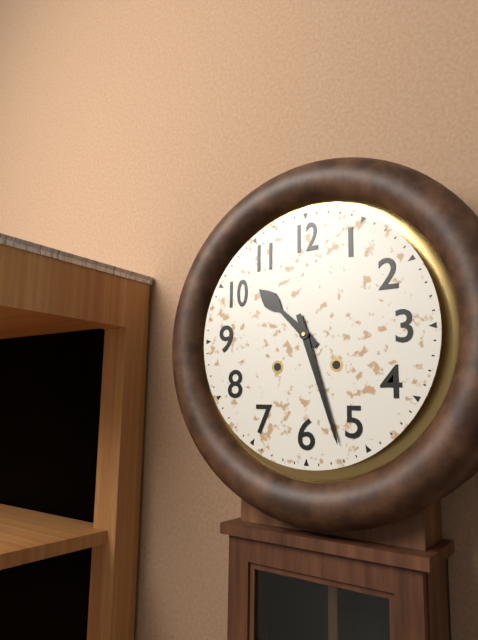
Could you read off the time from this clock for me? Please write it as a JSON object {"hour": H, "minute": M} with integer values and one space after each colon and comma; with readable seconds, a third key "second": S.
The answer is {"hour": 10, "minute": 27}
